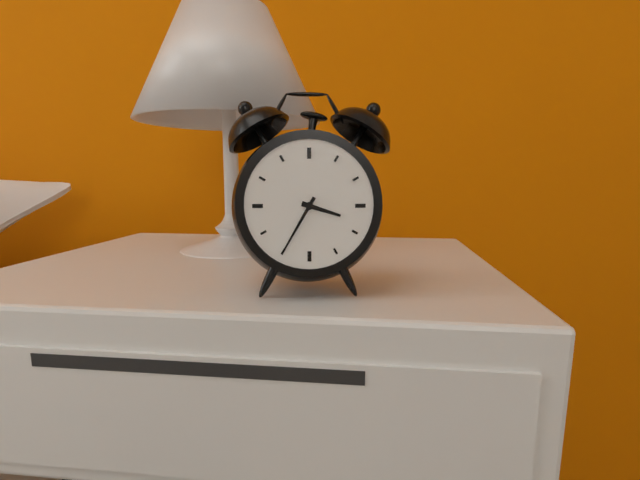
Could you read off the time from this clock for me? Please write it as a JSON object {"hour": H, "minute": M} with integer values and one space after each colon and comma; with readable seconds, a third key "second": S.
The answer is {"hour": 3, "minute": 35}
